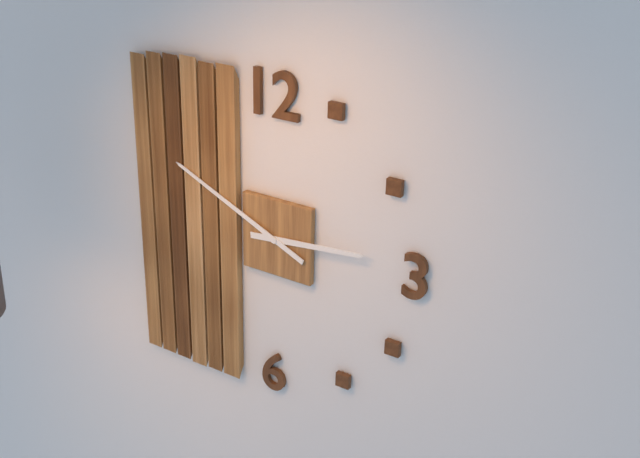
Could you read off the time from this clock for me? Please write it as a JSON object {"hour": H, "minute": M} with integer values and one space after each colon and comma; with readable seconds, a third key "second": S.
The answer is {"hour": 2, "minute": 49}
